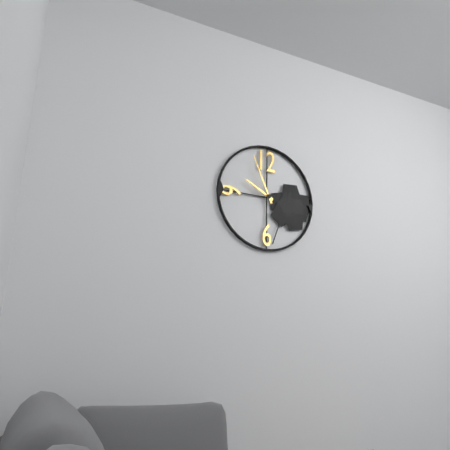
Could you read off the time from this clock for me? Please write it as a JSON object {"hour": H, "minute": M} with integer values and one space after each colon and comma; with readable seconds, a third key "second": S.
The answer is {"hour": 9, "minute": 56}
